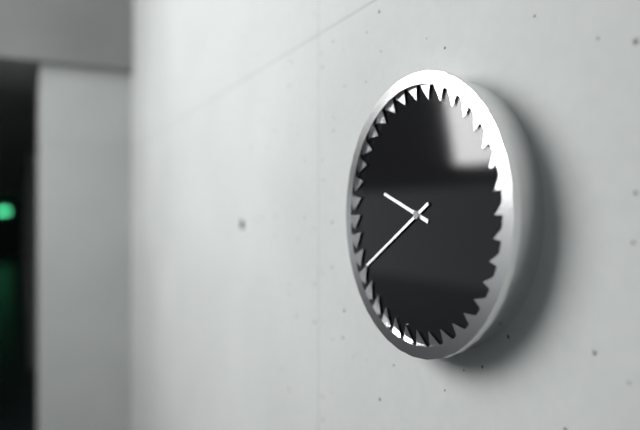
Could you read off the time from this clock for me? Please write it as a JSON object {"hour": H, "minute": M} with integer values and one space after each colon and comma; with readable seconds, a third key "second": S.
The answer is {"hour": 9, "minute": 40}
